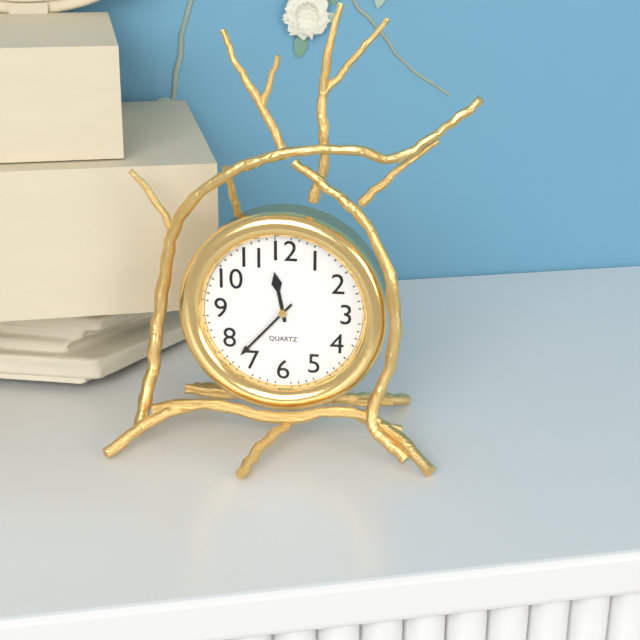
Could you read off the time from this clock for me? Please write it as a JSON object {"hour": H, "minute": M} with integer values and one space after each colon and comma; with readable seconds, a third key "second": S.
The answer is {"hour": 11, "minute": 37}
